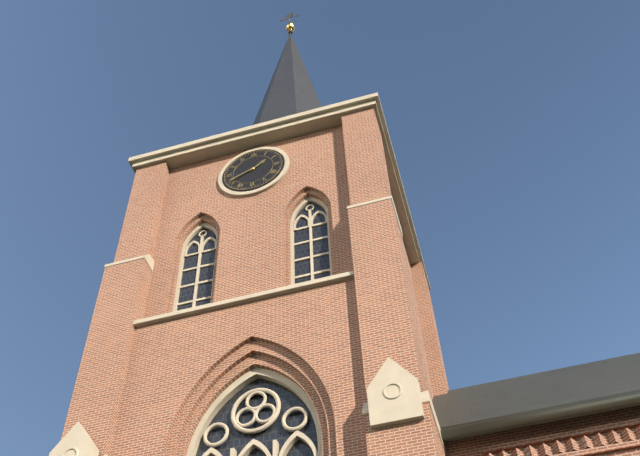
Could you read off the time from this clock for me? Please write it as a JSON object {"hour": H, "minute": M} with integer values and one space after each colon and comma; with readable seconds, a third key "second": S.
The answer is {"hour": 1, "minute": 41}
